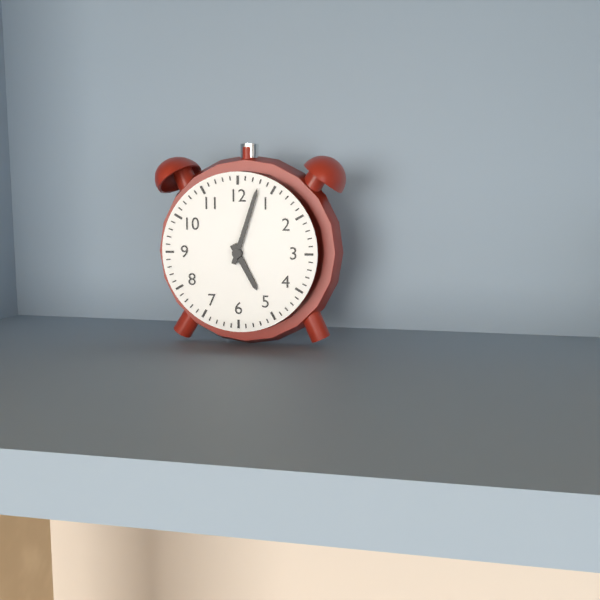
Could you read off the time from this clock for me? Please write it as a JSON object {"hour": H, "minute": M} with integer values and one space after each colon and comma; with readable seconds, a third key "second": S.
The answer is {"hour": 5, "minute": 3}
